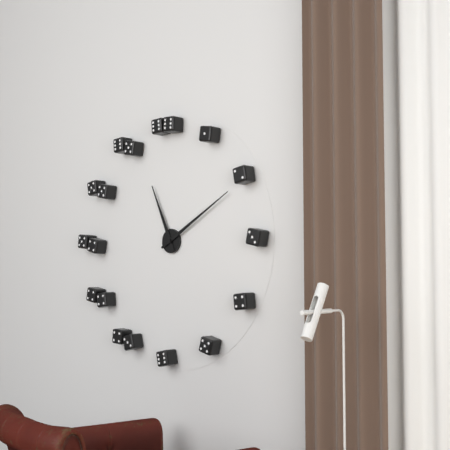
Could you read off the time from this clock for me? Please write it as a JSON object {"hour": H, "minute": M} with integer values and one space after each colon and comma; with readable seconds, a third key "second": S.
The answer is {"hour": 11, "minute": 10}
